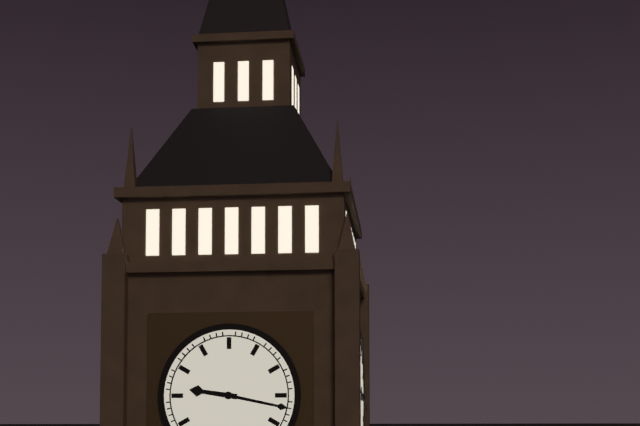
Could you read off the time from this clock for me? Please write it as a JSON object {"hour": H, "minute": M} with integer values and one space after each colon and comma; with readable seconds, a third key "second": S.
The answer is {"hour": 9, "minute": 17}
